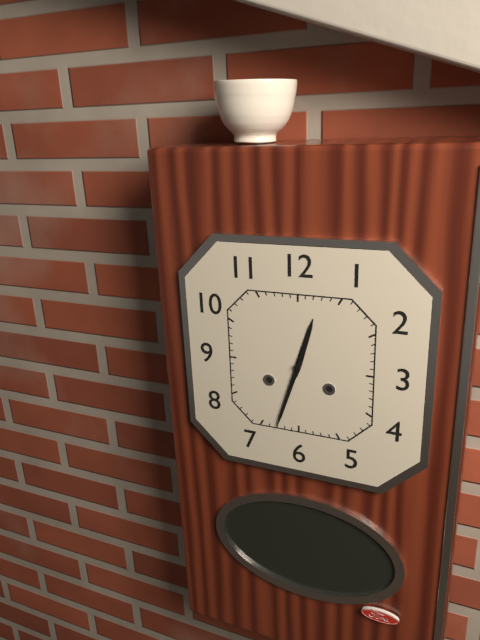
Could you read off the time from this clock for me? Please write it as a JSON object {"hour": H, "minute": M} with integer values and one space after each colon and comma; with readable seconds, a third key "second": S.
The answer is {"hour": 12, "minute": 33}
